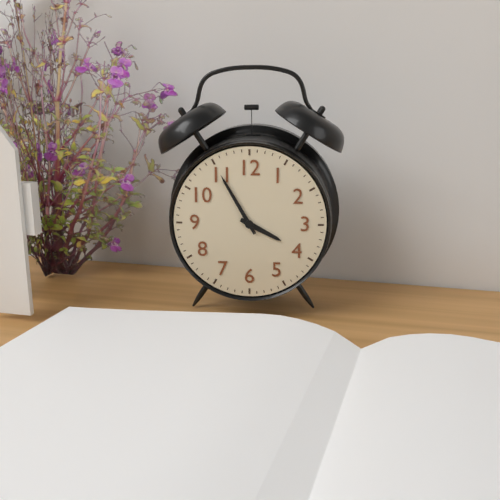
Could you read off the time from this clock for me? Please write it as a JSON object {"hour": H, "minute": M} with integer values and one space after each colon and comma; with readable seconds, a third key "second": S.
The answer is {"hour": 3, "minute": 55}
